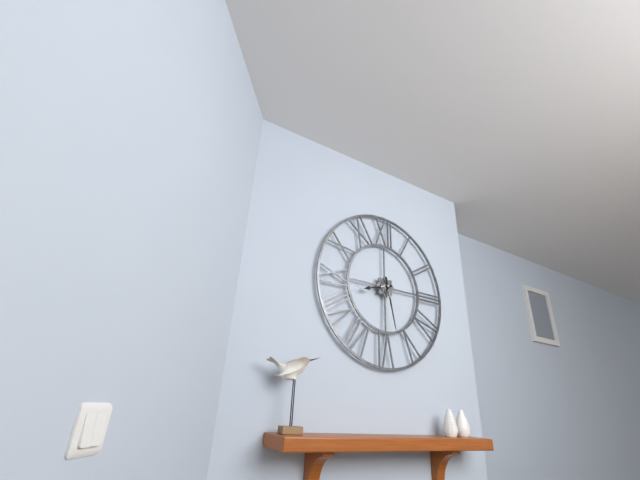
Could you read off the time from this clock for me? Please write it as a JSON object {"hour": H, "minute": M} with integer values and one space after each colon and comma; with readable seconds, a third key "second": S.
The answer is {"hour": 8, "minute": 28}
